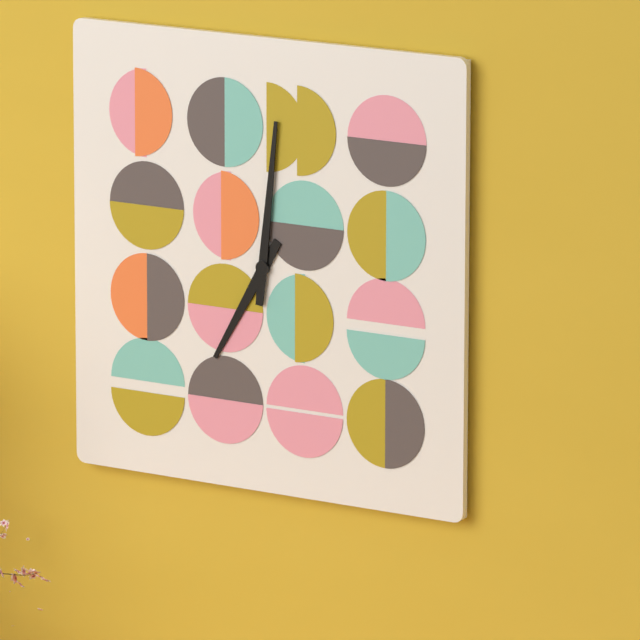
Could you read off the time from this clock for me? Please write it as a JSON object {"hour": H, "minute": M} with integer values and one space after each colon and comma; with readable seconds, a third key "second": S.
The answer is {"hour": 7, "minute": 1}
